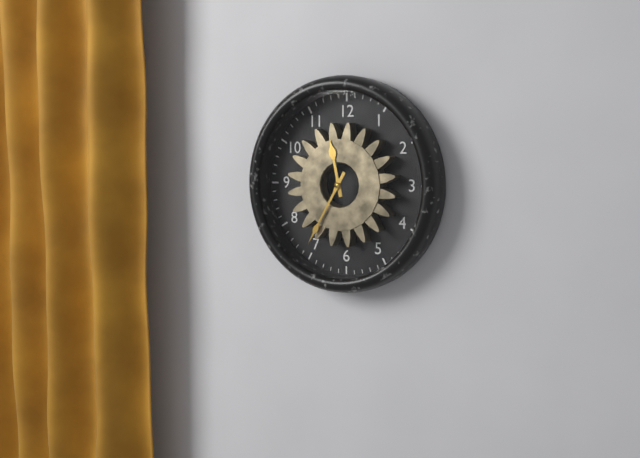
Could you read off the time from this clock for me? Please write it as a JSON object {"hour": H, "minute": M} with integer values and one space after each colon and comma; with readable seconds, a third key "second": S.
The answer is {"hour": 11, "minute": 35}
